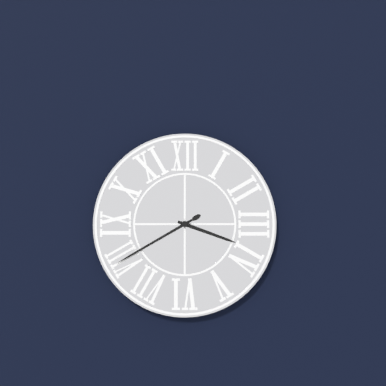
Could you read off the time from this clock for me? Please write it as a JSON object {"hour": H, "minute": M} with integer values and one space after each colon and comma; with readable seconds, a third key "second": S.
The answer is {"hour": 3, "minute": 40}
